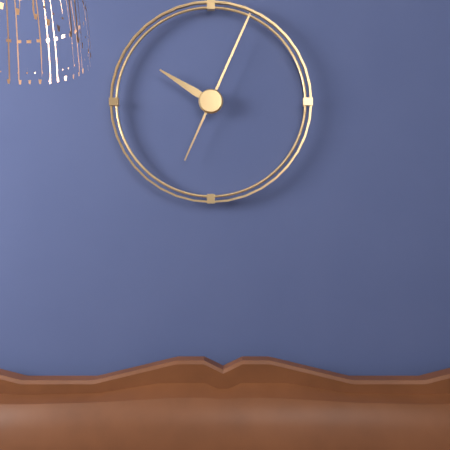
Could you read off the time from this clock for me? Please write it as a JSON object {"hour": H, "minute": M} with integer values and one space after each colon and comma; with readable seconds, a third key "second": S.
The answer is {"hour": 10, "minute": 4}
